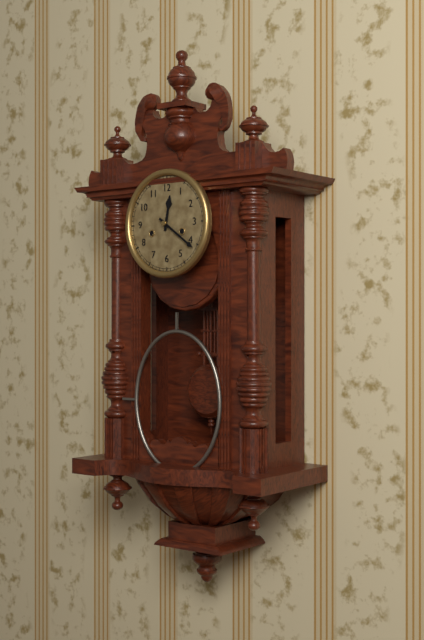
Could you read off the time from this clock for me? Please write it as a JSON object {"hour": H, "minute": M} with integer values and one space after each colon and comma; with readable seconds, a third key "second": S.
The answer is {"hour": 12, "minute": 21}
